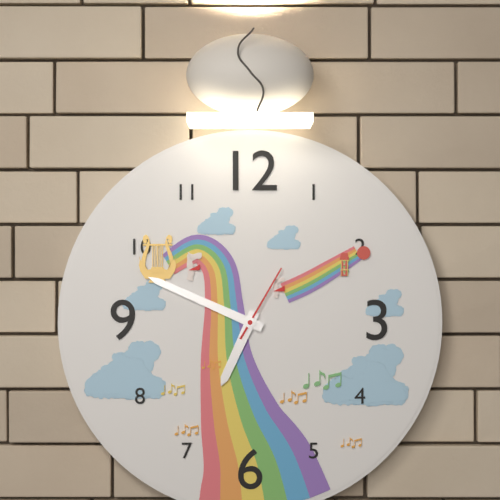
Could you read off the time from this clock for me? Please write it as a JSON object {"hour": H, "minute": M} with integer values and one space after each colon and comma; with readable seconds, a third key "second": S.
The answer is {"hour": 6, "minute": 49, "second": 5}
